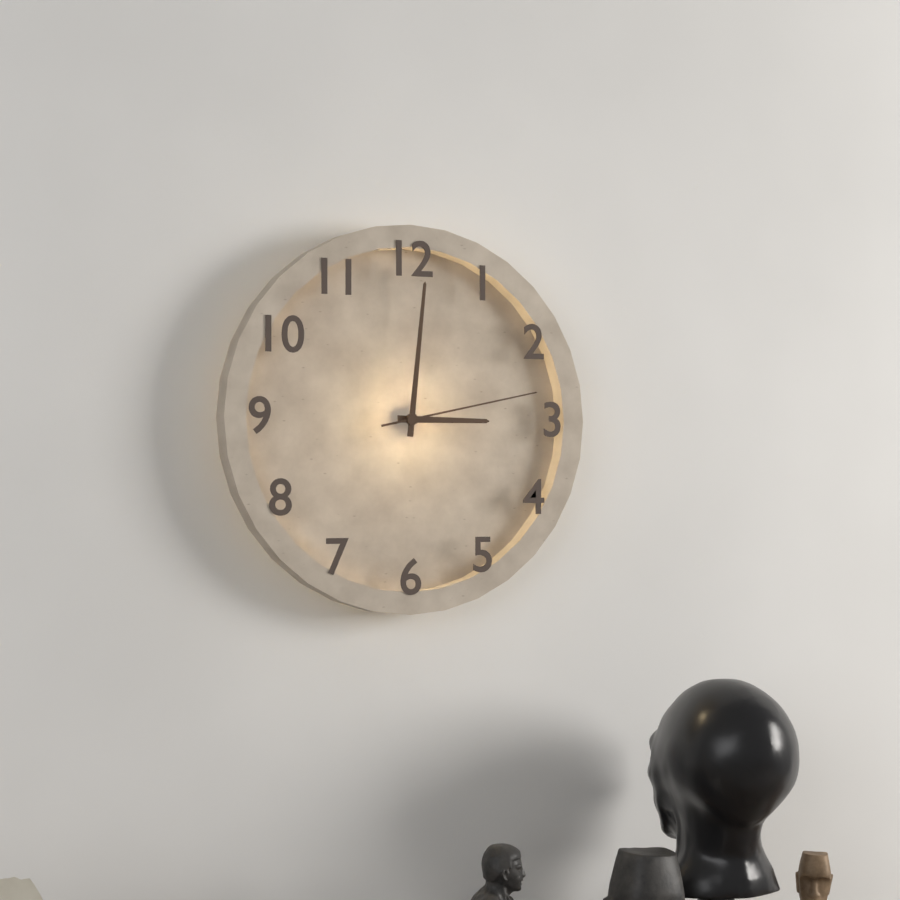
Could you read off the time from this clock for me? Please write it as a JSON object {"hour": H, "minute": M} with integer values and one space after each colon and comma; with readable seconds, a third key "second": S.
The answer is {"hour": 3, "minute": 1, "second": 13}
